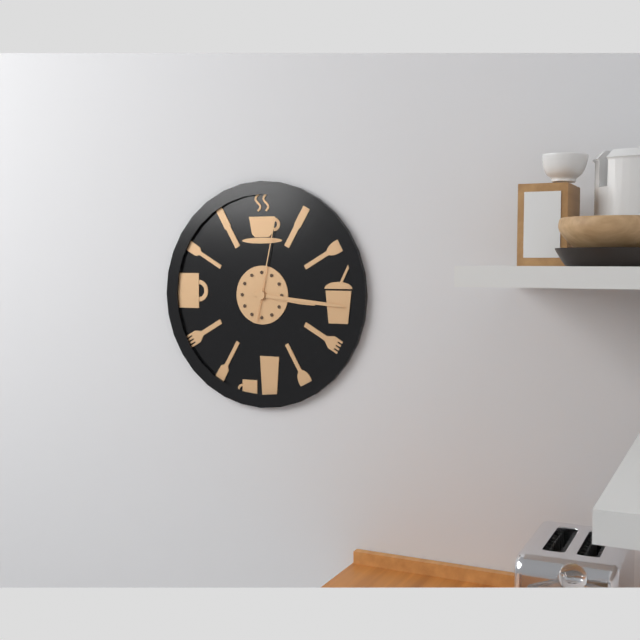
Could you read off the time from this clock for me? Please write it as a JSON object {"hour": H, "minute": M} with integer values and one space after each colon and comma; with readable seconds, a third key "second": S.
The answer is {"hour": 3, "minute": 16, "second": 2}
